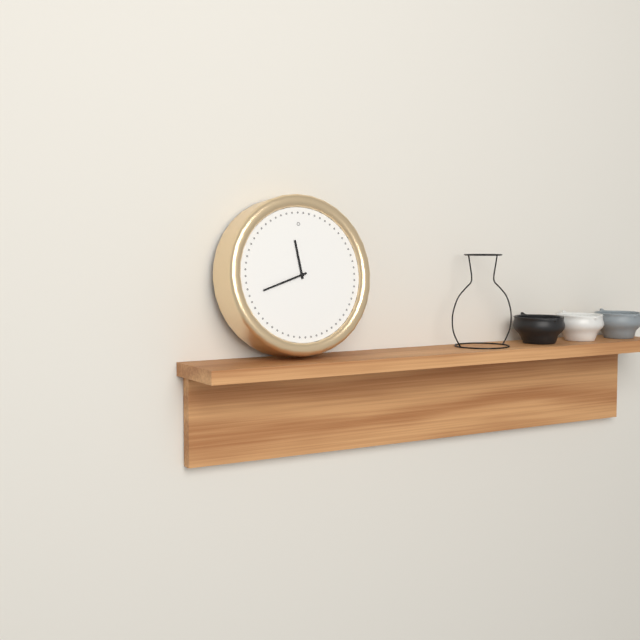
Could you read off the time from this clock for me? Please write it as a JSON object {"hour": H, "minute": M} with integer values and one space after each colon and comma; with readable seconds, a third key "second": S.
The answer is {"hour": 11, "minute": 42}
